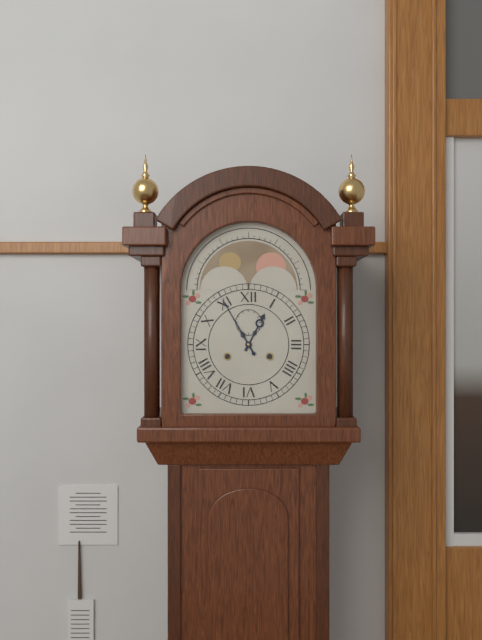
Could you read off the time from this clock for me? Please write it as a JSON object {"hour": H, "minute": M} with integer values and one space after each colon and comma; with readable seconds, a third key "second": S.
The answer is {"hour": 12, "minute": 55}
